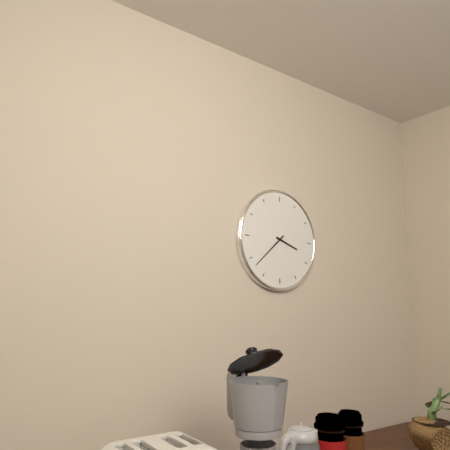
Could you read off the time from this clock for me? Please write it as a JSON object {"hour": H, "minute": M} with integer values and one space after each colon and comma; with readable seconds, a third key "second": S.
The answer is {"hour": 3, "minute": 38}
